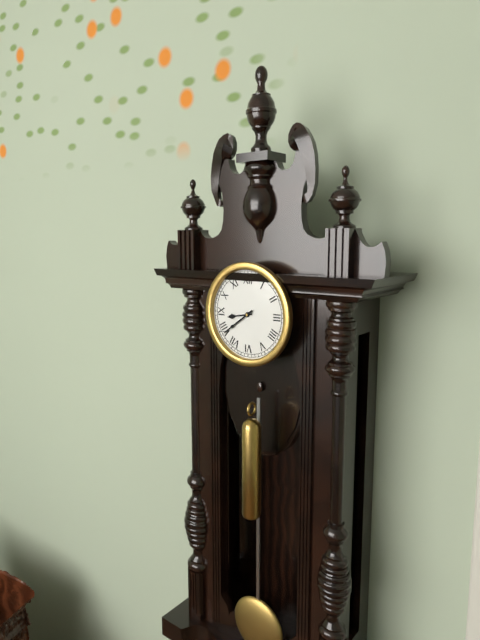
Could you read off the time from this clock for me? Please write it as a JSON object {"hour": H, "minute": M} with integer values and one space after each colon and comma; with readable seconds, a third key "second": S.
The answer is {"hour": 8, "minute": 39}
